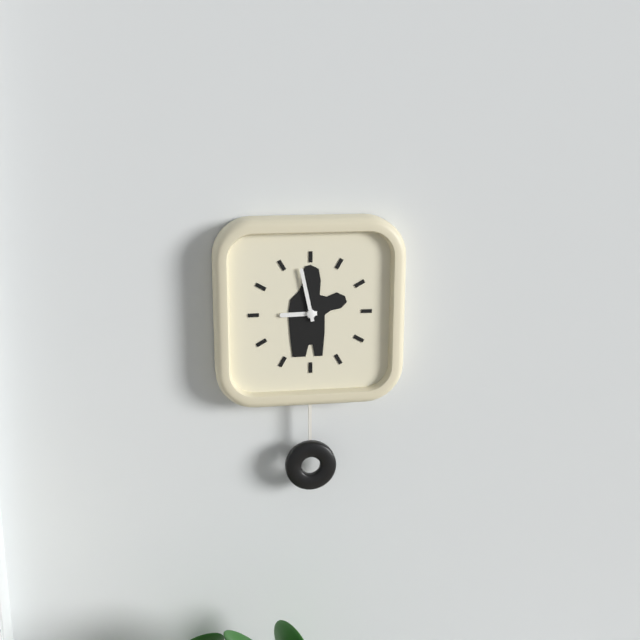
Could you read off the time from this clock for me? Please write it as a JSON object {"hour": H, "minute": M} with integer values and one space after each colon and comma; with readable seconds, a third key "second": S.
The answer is {"hour": 8, "minute": 58}
